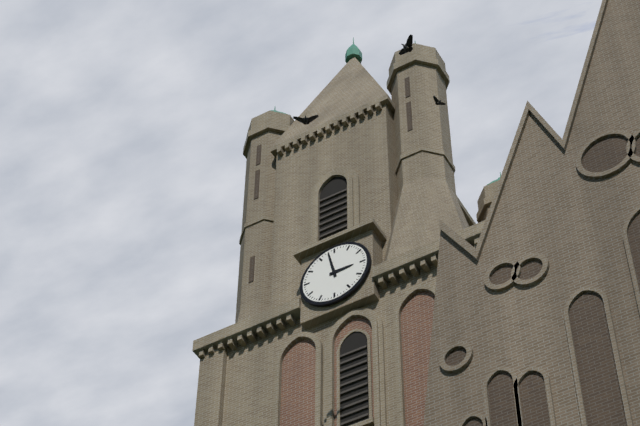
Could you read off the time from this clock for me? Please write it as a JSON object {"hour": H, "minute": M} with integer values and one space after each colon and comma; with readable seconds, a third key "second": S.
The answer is {"hour": 2, "minute": 58}
